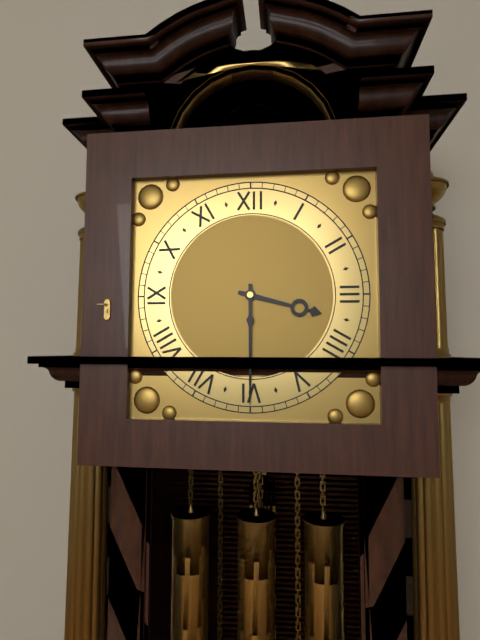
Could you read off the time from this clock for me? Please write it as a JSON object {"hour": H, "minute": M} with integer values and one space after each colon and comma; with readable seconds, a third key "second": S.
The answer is {"hour": 3, "minute": 30}
